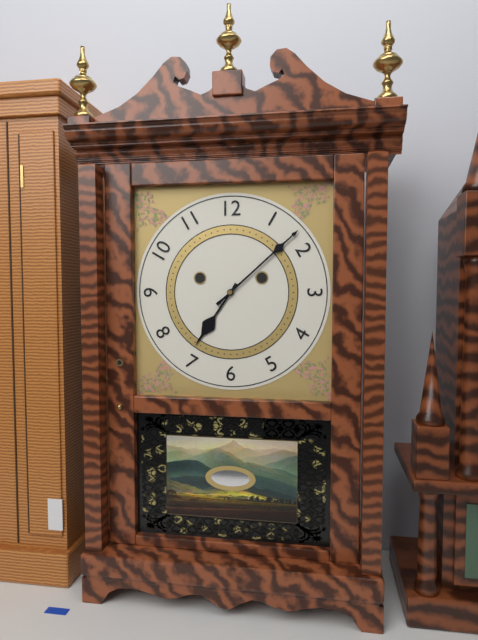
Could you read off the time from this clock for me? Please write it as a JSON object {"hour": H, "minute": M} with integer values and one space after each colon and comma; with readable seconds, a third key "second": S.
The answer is {"hour": 7, "minute": 8}
